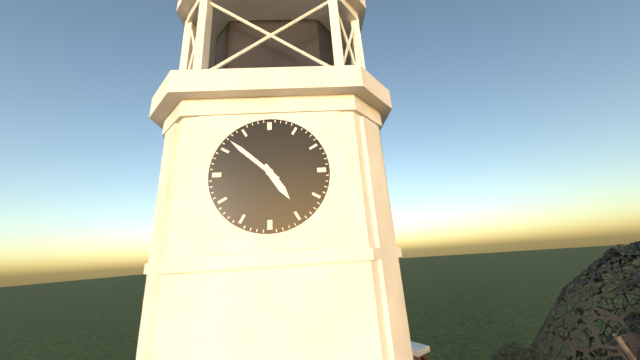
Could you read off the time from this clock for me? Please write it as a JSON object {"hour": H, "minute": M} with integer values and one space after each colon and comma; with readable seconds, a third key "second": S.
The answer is {"hour": 4, "minute": 52}
